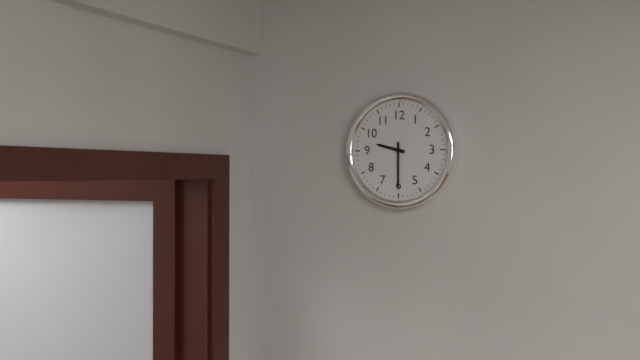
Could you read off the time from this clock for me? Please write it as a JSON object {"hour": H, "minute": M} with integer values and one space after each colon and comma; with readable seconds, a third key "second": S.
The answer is {"hour": 9, "minute": 30}
